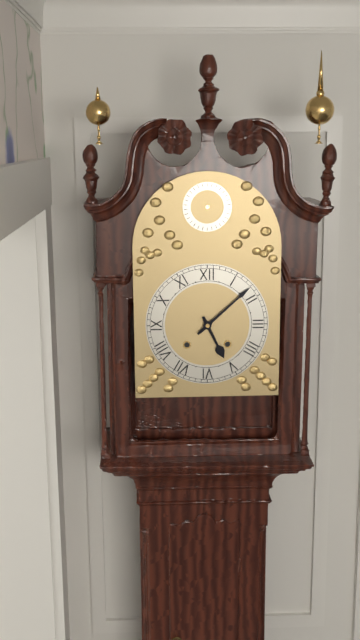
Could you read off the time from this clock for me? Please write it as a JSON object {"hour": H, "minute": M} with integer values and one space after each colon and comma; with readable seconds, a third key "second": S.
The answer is {"hour": 5, "minute": 8}
